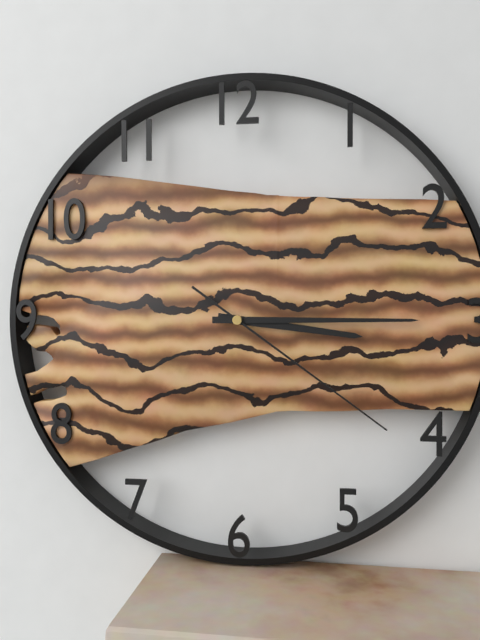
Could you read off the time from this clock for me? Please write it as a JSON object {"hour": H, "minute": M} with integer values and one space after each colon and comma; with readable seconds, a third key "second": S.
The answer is {"hour": 3, "minute": 15, "second": 21}
